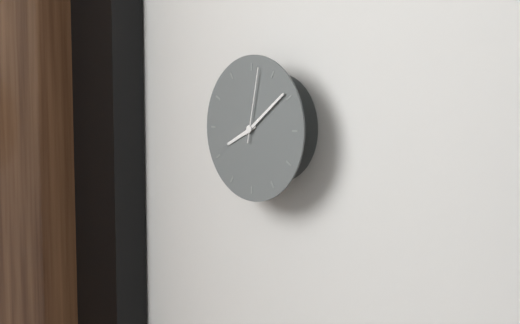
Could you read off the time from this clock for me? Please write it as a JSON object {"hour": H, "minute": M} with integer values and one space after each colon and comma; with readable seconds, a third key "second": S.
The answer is {"hour": 8, "minute": 9, "second": 2}
